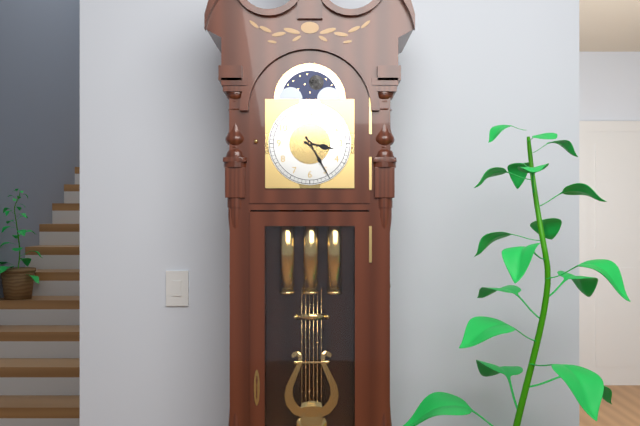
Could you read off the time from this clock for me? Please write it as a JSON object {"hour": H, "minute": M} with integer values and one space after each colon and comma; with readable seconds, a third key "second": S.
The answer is {"hour": 3, "minute": 25}
